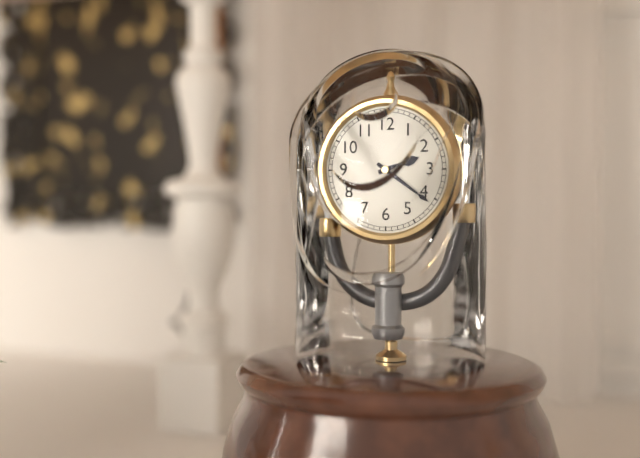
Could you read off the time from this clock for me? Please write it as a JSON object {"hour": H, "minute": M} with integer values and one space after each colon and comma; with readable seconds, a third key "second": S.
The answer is {"hour": 2, "minute": 21}
